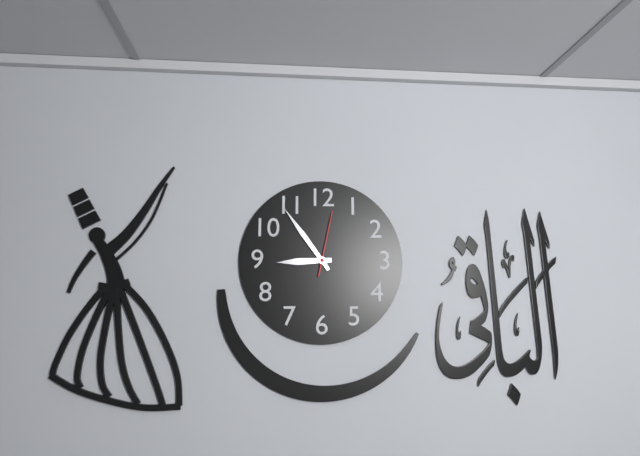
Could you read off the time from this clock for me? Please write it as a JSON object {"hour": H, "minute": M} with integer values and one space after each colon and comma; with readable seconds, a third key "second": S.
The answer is {"hour": 8, "minute": 54, "second": 2}
